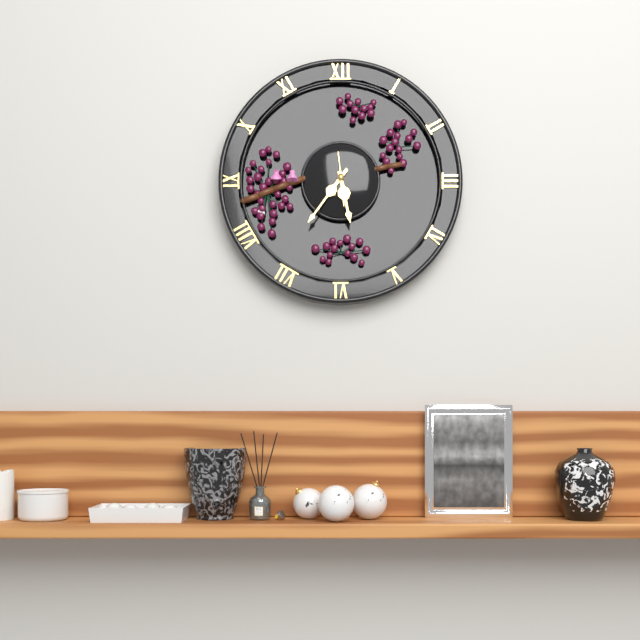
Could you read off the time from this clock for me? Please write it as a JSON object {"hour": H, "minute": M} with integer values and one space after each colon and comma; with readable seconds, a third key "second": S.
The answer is {"hour": 5, "minute": 36}
